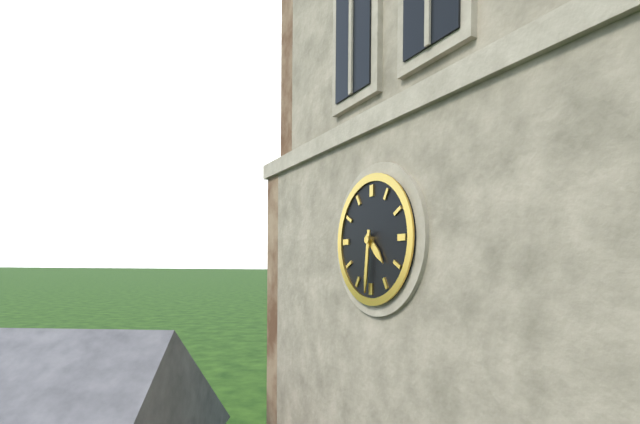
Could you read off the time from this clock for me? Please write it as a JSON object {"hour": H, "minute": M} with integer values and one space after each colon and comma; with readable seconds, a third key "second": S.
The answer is {"hour": 4, "minute": 31}
